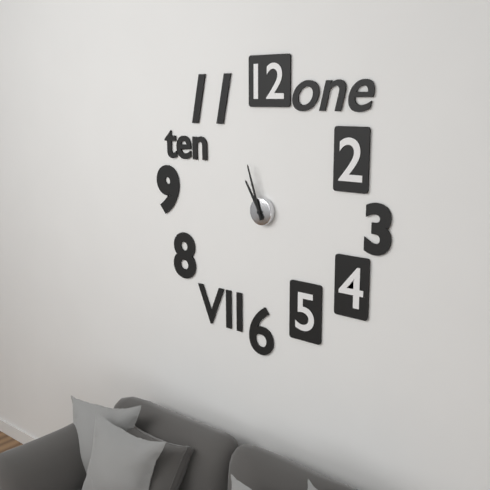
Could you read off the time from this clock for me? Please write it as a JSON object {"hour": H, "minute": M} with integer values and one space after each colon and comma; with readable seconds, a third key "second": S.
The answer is {"hour": 10, "minute": 57}
